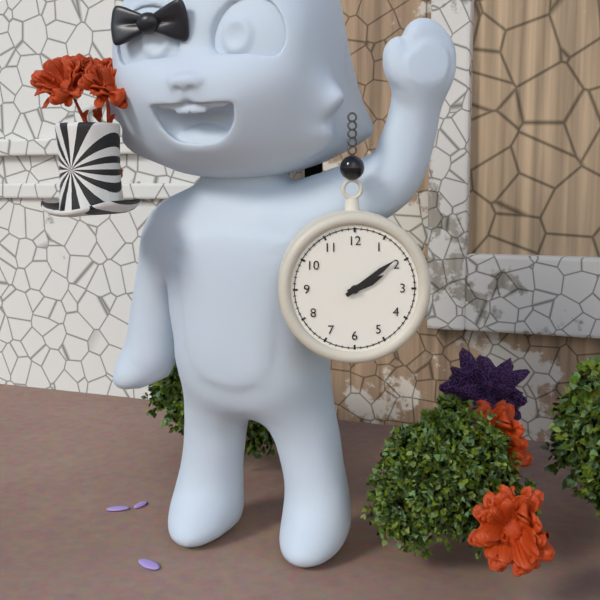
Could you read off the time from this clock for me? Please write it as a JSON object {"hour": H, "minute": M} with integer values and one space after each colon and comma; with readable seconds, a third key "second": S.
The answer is {"hour": 2, "minute": 9}
